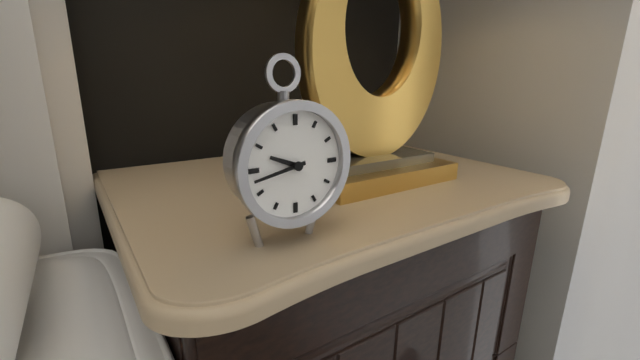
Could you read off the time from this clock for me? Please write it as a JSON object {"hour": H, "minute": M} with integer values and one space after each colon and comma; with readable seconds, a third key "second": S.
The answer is {"hour": 9, "minute": 43}
